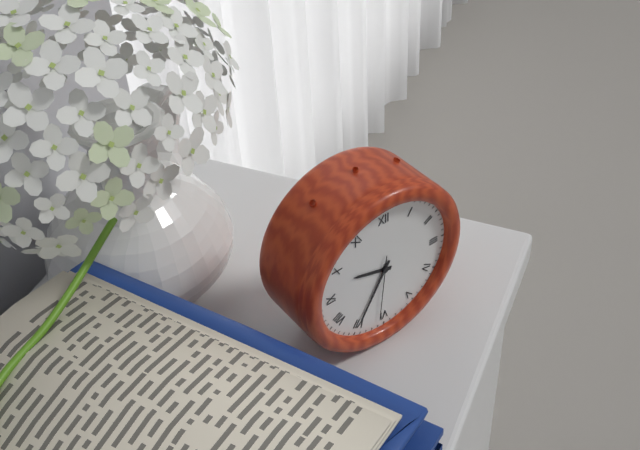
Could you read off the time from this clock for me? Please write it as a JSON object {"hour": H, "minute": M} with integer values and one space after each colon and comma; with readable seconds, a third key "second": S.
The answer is {"hour": 9, "minute": 35, "second": 31}
